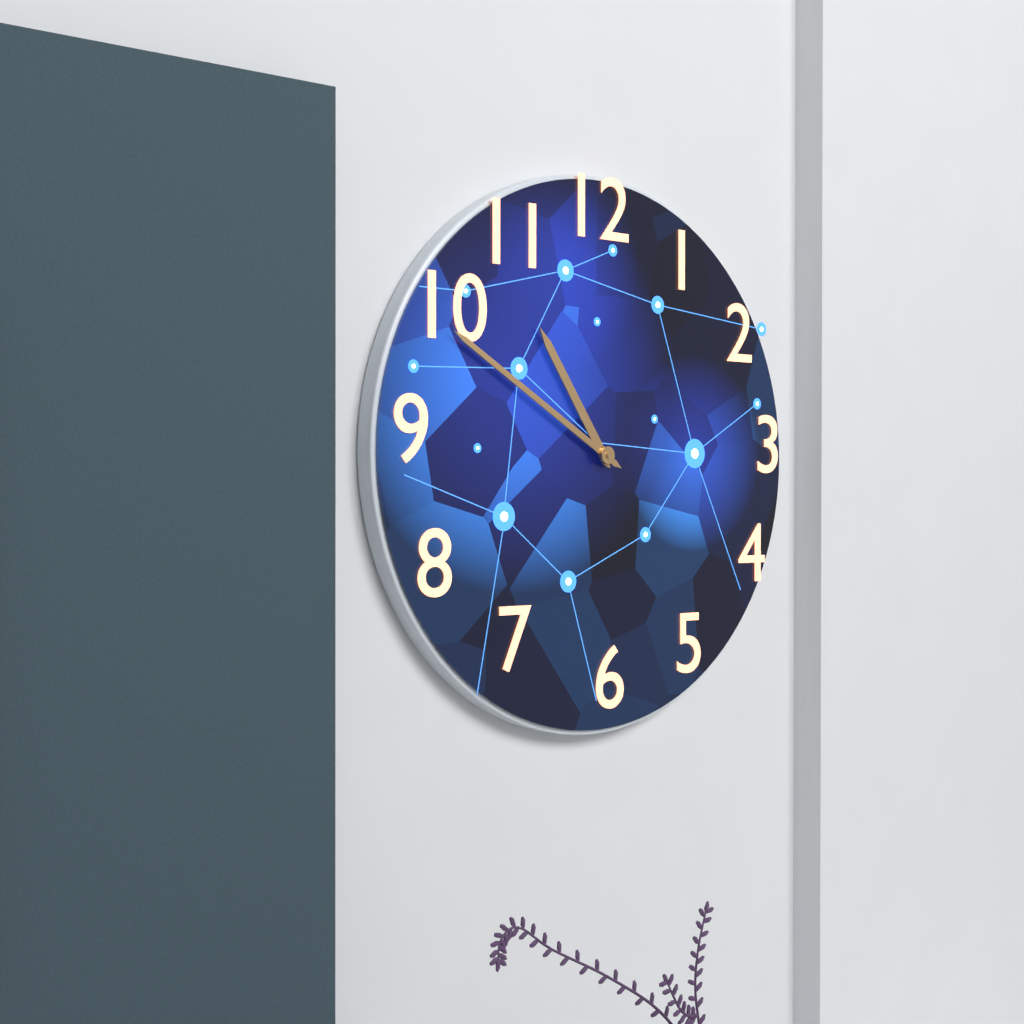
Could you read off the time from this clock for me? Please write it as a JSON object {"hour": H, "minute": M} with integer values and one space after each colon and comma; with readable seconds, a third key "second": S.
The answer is {"hour": 10, "minute": 50}
